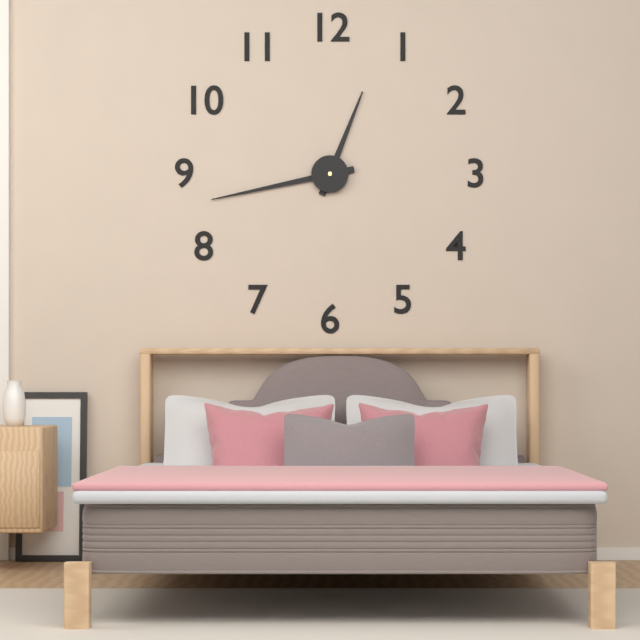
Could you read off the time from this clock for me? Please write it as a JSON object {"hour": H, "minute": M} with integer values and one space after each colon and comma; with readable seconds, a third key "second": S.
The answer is {"hour": 12, "minute": 43}
